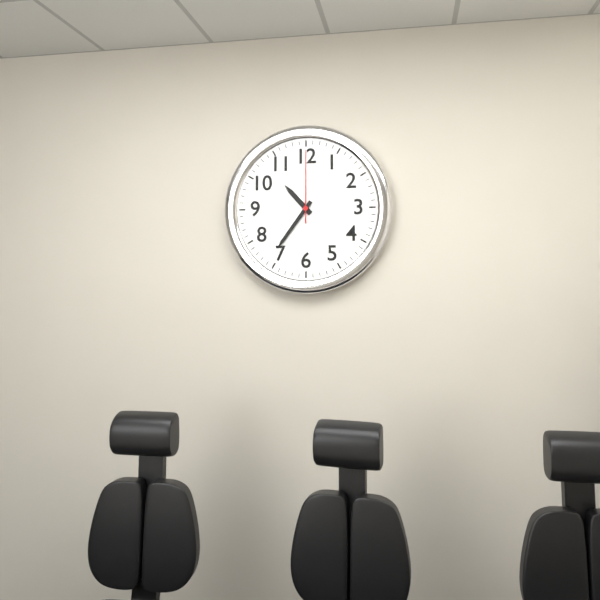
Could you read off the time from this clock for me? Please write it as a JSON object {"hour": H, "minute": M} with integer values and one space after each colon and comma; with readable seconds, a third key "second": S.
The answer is {"hour": 10, "minute": 36, "second": 0}
